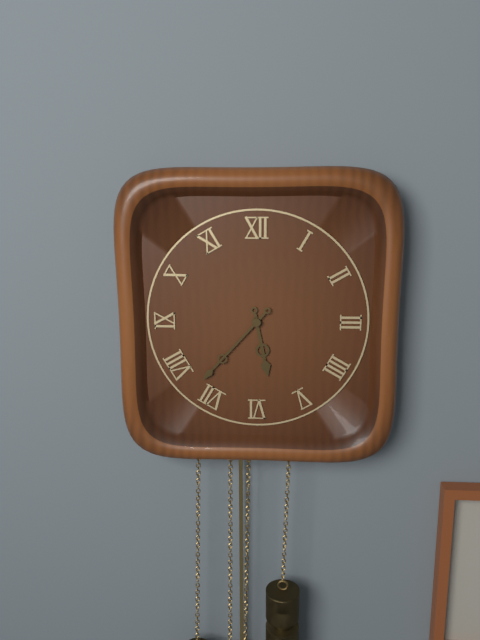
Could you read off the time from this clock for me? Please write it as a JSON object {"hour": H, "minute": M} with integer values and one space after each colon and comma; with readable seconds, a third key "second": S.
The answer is {"hour": 5, "minute": 37}
